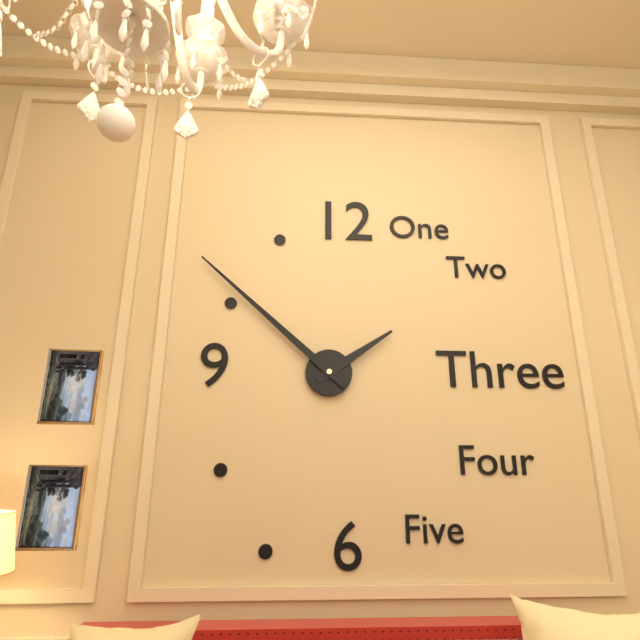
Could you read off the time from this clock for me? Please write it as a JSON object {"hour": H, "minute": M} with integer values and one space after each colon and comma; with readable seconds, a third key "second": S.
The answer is {"hour": 1, "minute": 52}
